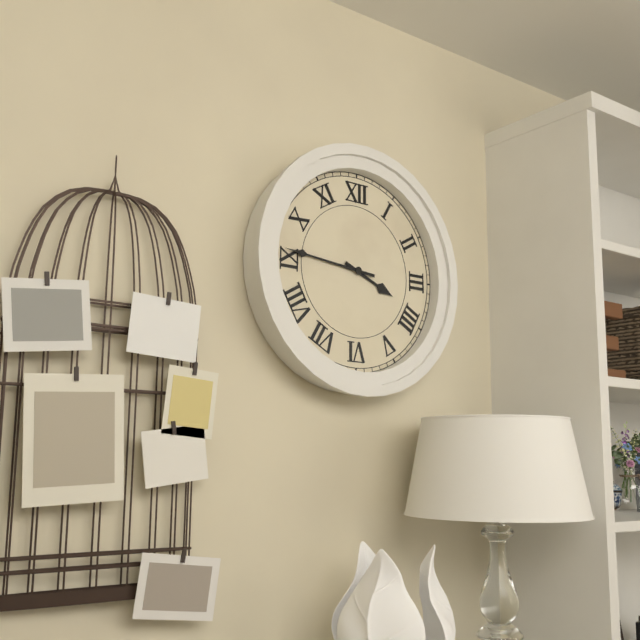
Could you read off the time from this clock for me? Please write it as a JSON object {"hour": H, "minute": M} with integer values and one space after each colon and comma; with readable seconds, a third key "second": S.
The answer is {"hour": 3, "minute": 46}
